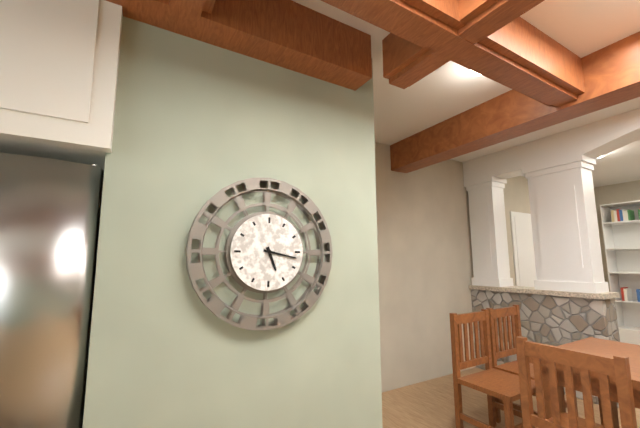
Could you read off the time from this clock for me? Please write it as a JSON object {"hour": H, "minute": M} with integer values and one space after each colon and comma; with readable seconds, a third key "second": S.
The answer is {"hour": 5, "minute": 17}
